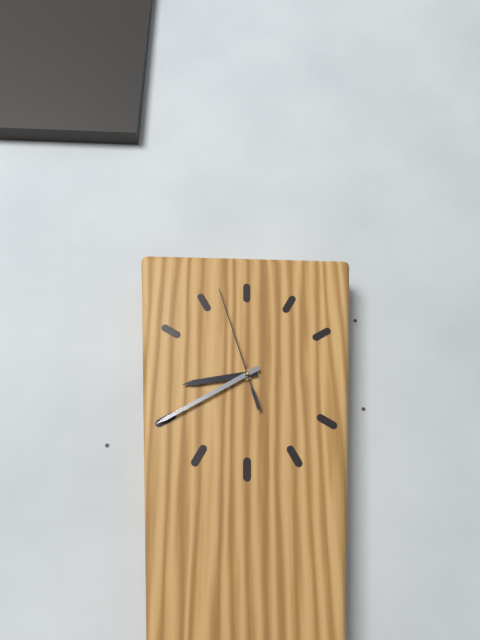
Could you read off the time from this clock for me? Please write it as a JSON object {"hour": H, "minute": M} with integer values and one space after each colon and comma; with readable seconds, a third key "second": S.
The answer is {"hour": 8, "minute": 40, "second": 57}
